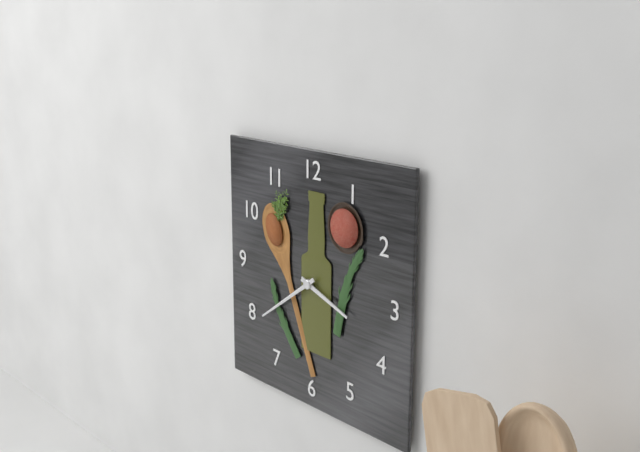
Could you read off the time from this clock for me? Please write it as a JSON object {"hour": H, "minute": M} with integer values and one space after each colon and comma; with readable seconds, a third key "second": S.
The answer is {"hour": 3, "minute": 39}
